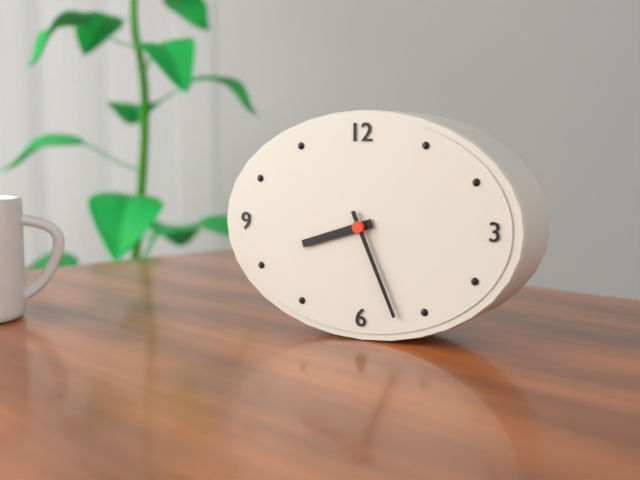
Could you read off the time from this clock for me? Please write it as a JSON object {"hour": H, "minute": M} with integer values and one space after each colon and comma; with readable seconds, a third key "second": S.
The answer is {"hour": 8, "minute": 26}
